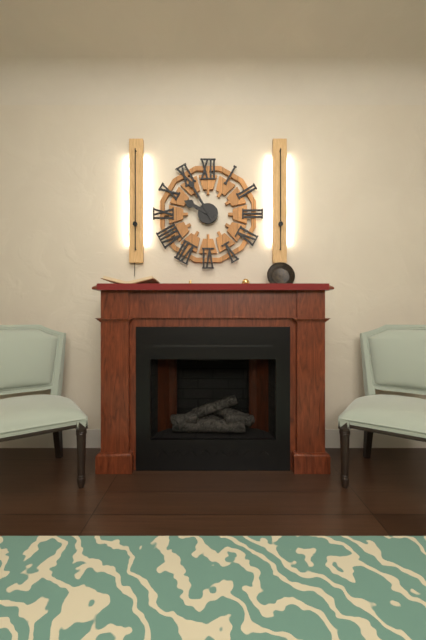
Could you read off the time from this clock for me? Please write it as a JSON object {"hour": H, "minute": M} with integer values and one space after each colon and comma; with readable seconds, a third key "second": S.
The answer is {"hour": 9, "minute": 55}
